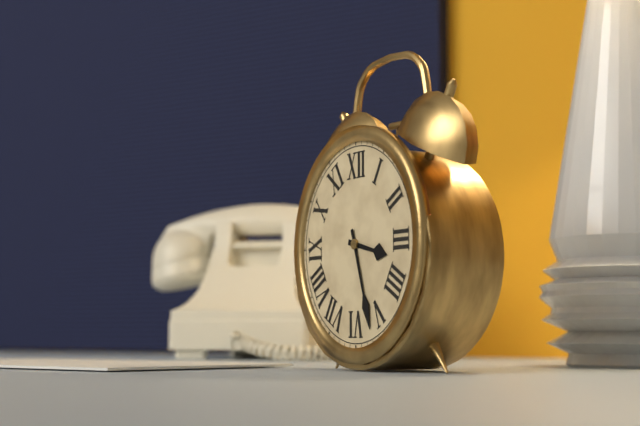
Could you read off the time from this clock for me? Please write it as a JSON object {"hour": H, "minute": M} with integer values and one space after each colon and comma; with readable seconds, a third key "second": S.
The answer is {"hour": 3, "minute": 27}
